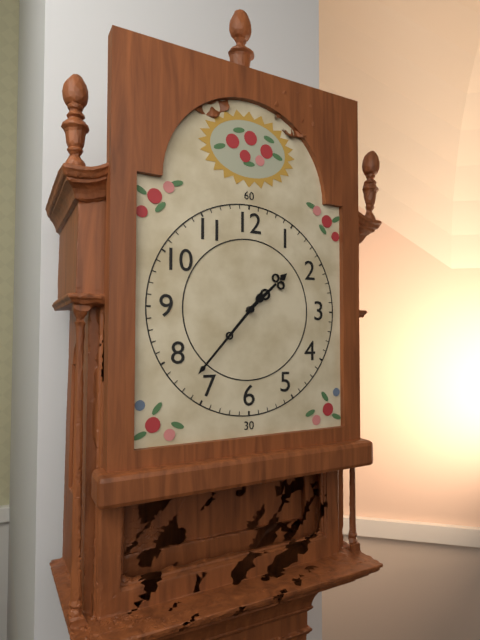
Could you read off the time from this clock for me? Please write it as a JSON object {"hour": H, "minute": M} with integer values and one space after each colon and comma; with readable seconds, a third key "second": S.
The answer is {"hour": 1, "minute": 37}
